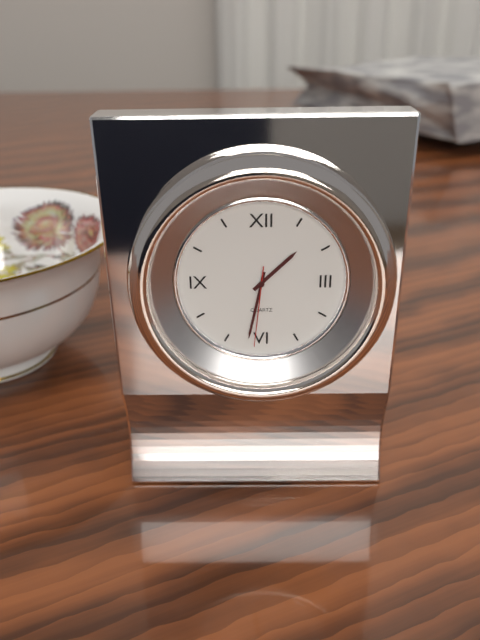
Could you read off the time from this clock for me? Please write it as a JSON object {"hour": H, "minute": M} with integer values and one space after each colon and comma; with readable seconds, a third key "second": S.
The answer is {"hour": 1, "minute": 32, "second": 31}
